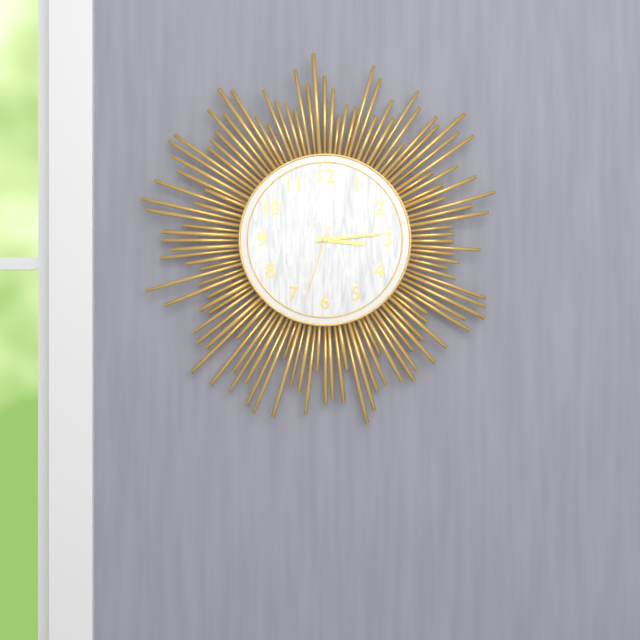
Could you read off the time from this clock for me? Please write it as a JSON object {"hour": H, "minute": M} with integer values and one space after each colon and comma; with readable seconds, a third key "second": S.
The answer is {"hour": 3, "minute": 14, "second": 33}
